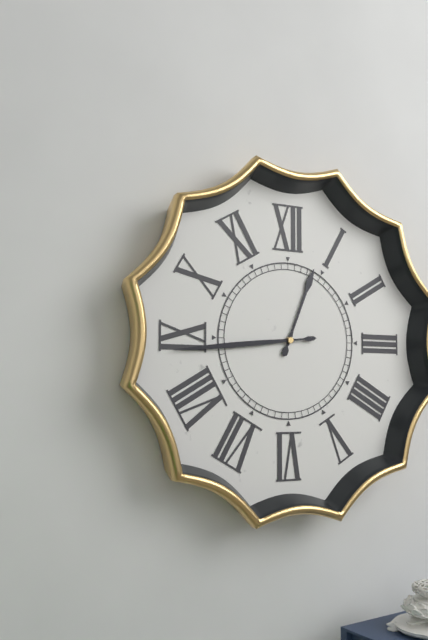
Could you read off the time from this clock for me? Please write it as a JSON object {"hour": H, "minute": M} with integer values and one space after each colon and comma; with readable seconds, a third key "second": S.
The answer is {"hour": 12, "minute": 44}
